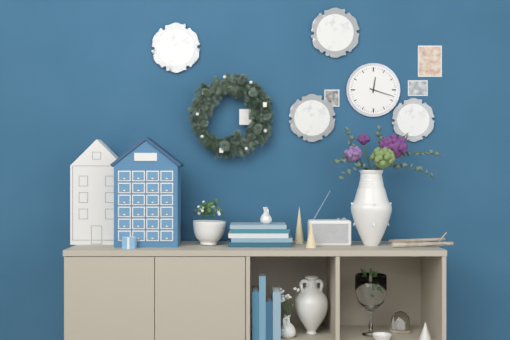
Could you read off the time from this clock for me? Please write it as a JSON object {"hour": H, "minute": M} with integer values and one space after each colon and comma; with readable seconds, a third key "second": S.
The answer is {"hour": 12, "minute": 18}
